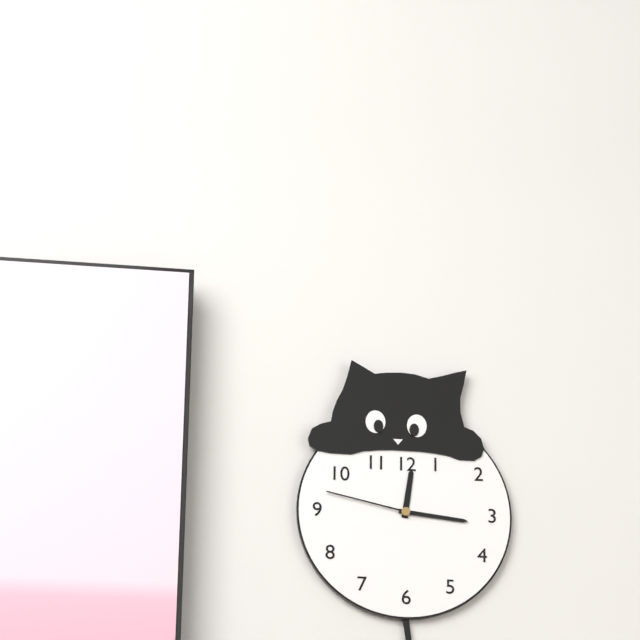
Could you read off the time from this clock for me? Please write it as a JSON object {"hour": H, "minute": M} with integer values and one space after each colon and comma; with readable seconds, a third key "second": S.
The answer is {"hour": 12, "minute": 16, "second": 47}
